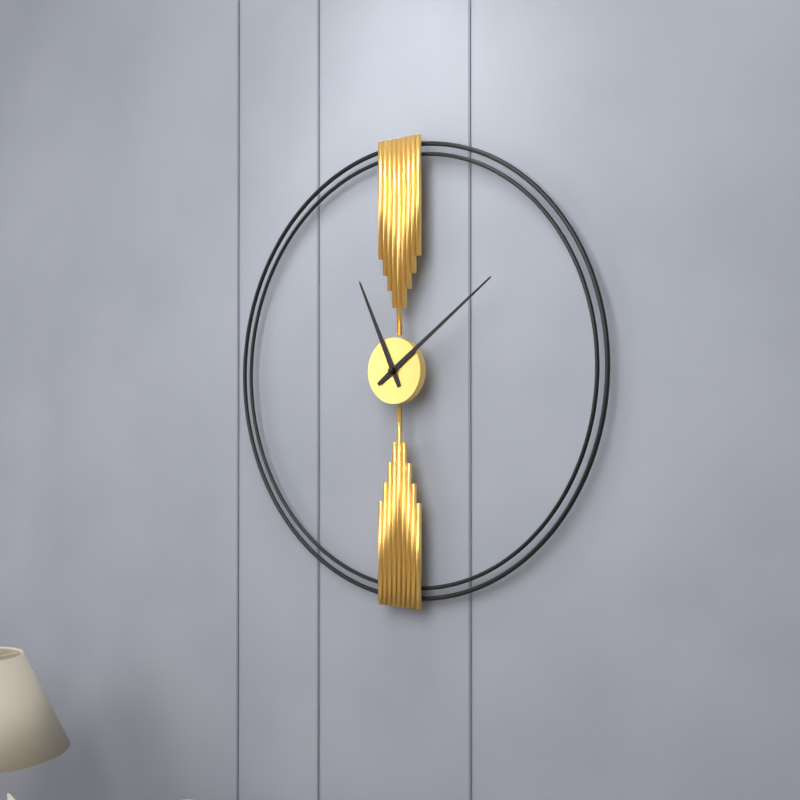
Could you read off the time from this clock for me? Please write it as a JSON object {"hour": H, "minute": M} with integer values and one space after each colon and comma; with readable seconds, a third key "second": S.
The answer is {"hour": 11, "minute": 9}
